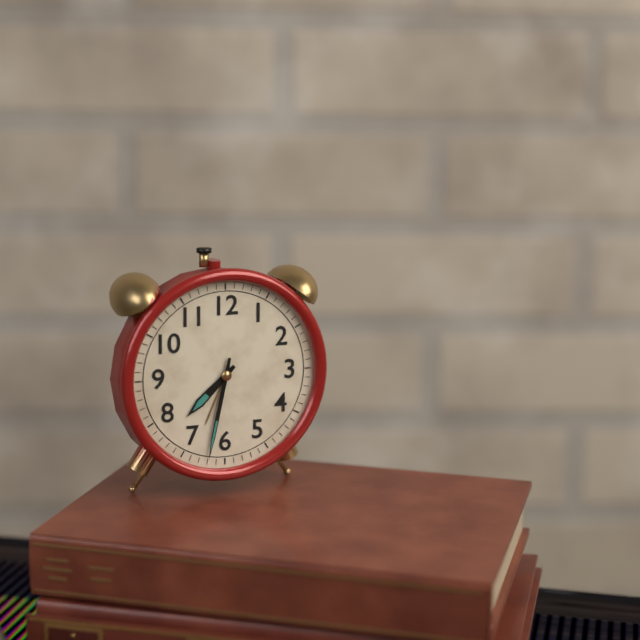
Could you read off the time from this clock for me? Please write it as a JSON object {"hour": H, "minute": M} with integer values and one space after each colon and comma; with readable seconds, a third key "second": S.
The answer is {"hour": 7, "minute": 32}
